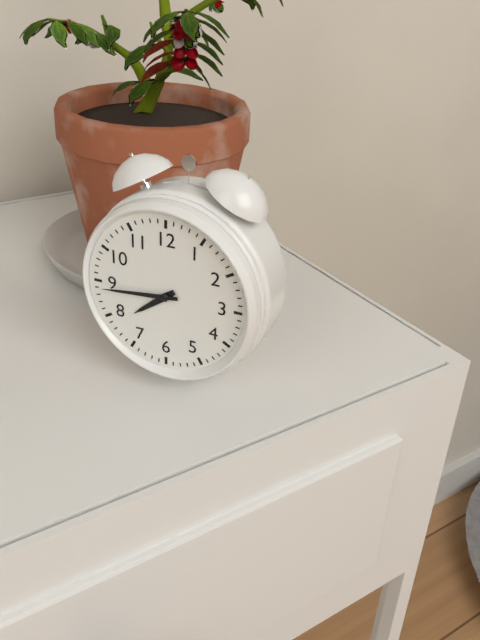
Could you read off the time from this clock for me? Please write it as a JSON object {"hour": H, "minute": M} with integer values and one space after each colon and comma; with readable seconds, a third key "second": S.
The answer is {"hour": 7, "minute": 44}
